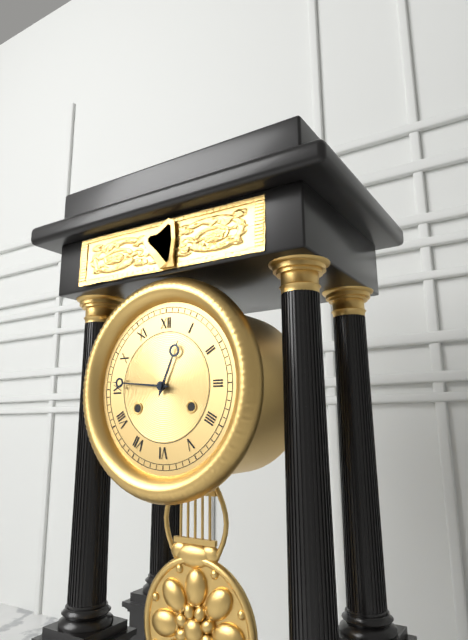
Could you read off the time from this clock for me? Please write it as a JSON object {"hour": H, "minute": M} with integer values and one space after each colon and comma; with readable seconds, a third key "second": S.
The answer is {"hour": 12, "minute": 46}
